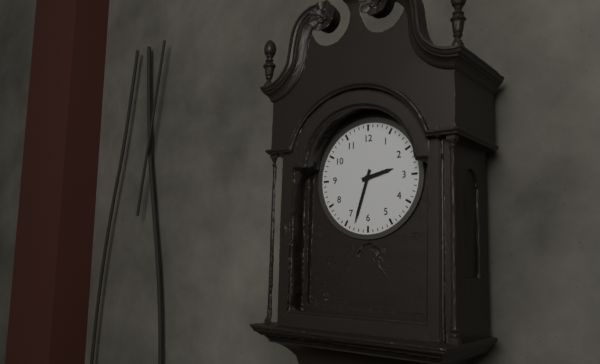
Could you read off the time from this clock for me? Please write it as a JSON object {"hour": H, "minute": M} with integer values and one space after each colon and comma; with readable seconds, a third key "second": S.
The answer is {"hour": 2, "minute": 33}
